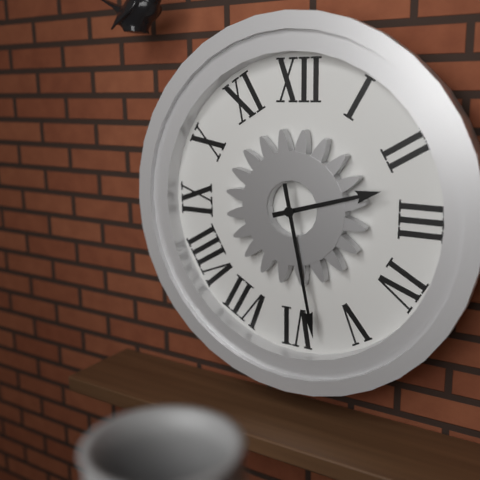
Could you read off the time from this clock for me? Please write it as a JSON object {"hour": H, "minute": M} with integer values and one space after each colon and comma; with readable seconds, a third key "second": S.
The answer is {"hour": 2, "minute": 28}
